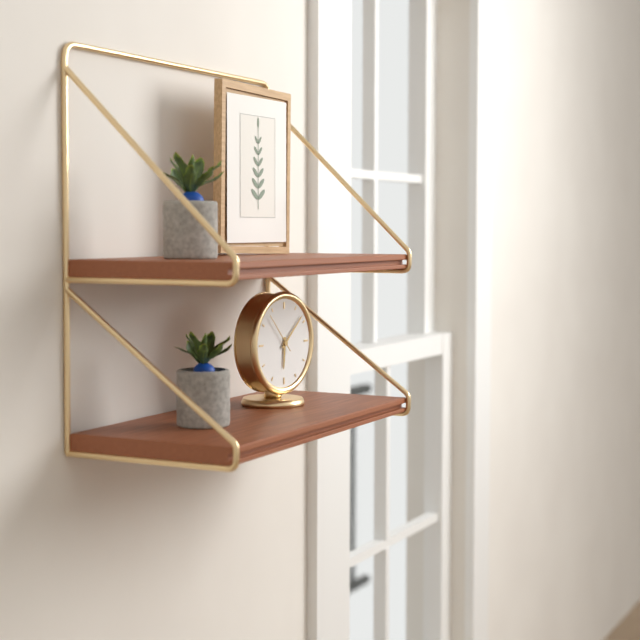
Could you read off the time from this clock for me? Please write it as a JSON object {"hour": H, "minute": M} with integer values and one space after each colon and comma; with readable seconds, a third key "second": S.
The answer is {"hour": 6, "minute": 8}
